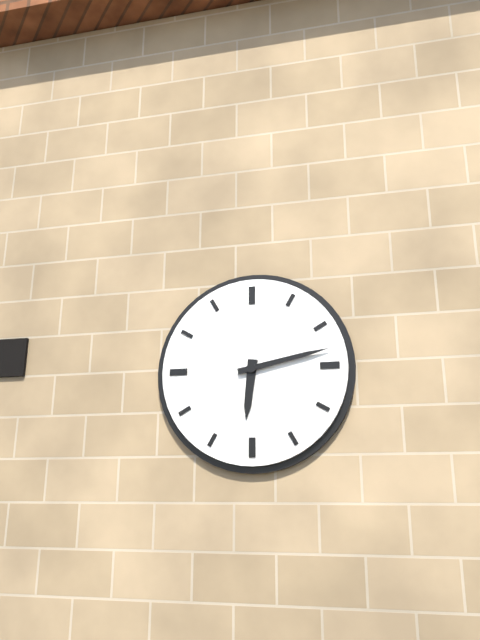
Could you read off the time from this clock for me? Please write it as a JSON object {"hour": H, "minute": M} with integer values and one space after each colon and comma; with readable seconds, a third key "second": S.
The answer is {"hour": 6, "minute": 13}
